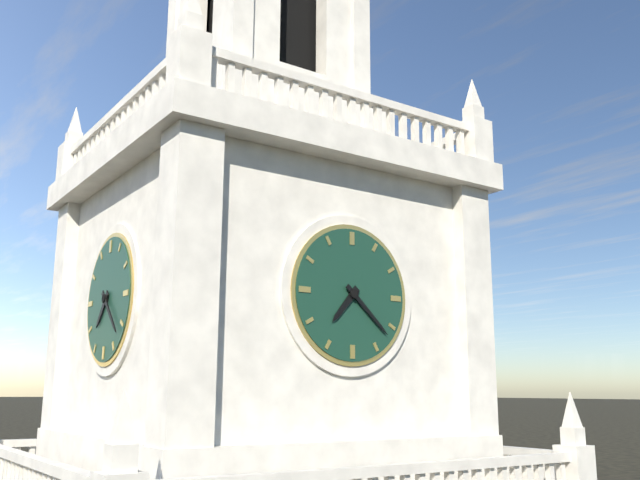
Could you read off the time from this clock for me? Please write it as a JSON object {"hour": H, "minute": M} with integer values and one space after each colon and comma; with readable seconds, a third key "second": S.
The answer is {"hour": 7, "minute": 22}
